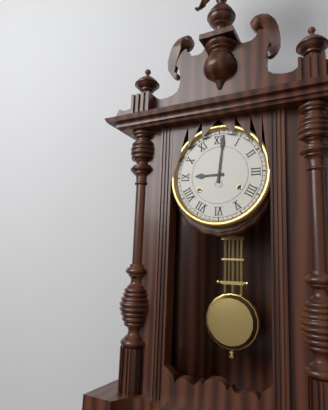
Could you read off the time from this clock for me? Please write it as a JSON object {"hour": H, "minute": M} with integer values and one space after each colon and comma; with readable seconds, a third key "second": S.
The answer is {"hour": 9, "minute": 1}
